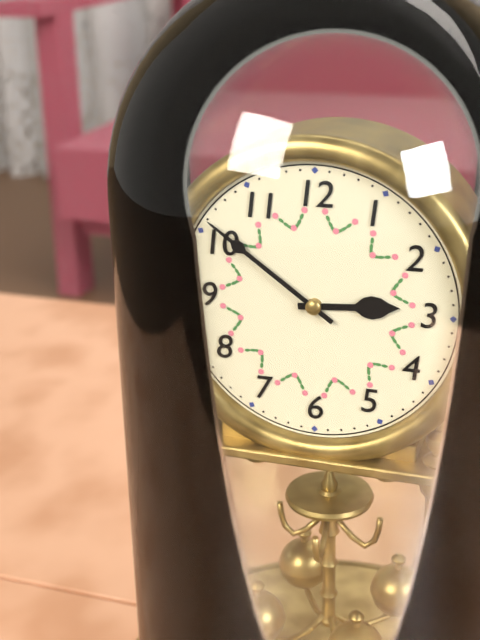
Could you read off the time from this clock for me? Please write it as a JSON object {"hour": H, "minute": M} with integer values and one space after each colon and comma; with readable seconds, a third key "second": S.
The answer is {"hour": 2, "minute": 51}
